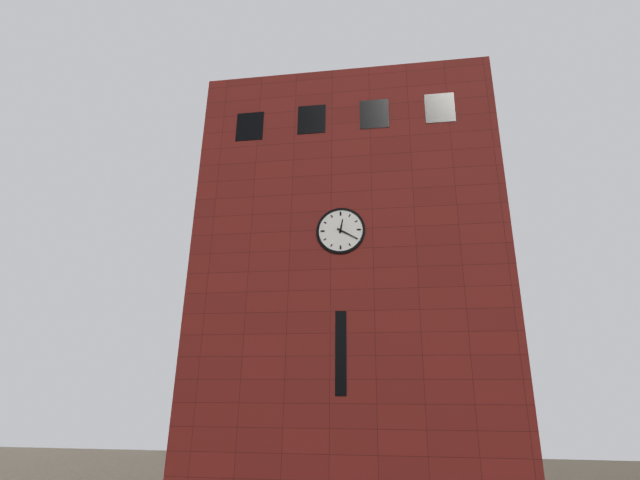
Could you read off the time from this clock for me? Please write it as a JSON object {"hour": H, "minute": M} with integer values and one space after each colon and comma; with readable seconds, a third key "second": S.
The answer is {"hour": 12, "minute": 20}
